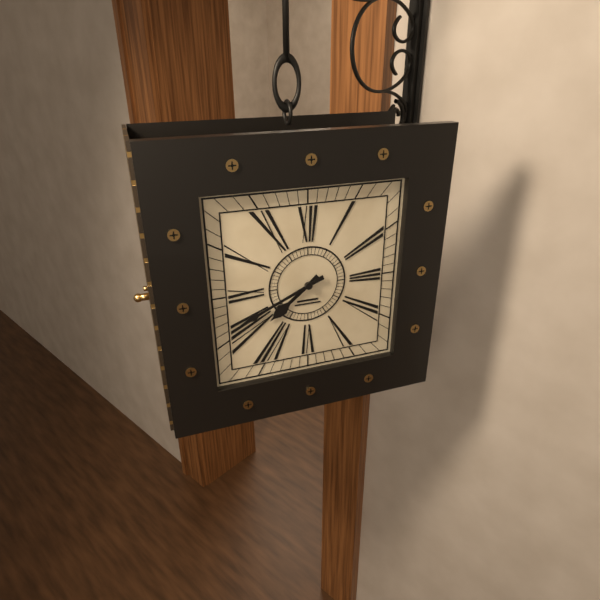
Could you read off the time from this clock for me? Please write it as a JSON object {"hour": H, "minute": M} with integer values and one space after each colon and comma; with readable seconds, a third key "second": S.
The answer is {"hour": 7, "minute": 41}
